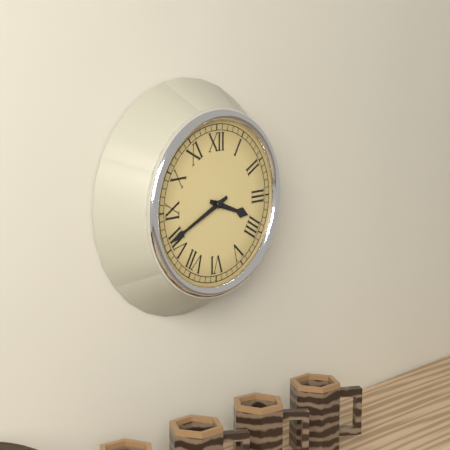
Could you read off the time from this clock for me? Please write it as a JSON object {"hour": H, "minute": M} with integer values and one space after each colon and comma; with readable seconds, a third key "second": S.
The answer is {"hour": 3, "minute": 41}
